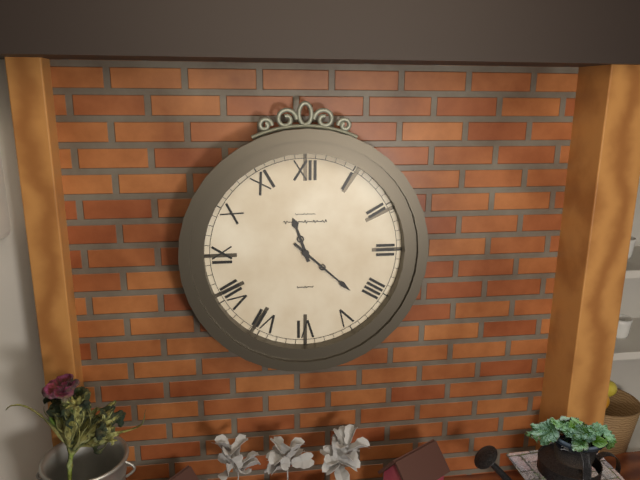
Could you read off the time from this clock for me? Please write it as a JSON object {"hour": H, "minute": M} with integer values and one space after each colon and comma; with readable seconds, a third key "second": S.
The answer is {"hour": 11, "minute": 22}
